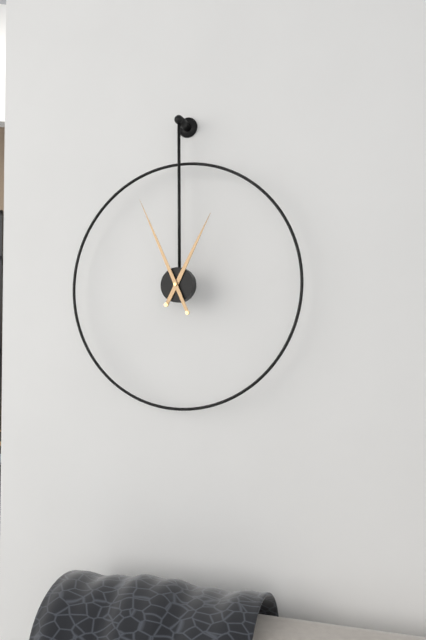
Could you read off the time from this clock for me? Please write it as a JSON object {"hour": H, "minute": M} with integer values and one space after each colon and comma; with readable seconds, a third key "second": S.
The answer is {"hour": 12, "minute": 56}
